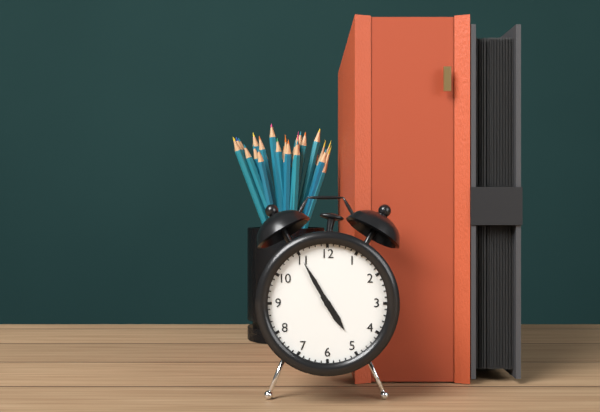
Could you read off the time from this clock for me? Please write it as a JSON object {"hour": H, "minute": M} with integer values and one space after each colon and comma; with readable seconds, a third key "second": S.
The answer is {"hour": 4, "minute": 55}
